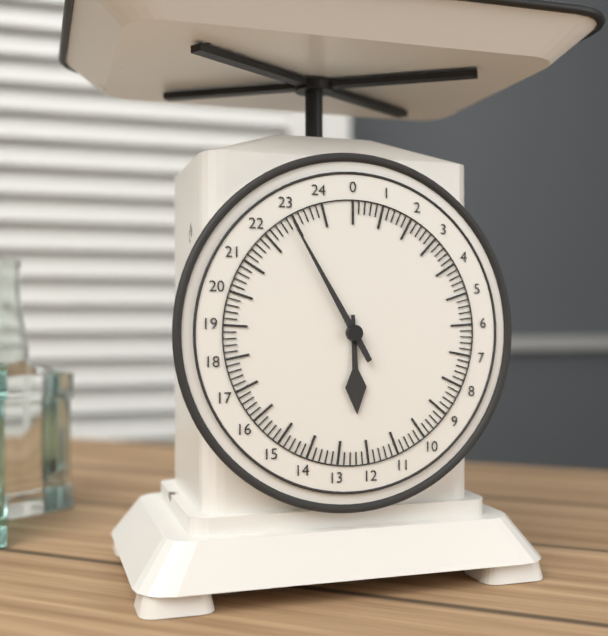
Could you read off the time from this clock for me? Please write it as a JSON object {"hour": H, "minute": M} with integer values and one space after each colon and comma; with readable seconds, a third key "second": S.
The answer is {"hour": 5, "minute": 55}
